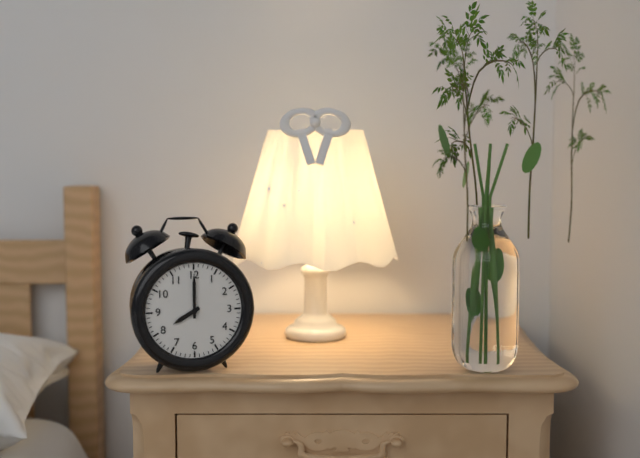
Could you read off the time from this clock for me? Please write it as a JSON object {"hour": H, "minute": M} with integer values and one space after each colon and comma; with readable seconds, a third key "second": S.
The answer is {"hour": 8, "minute": 0}
